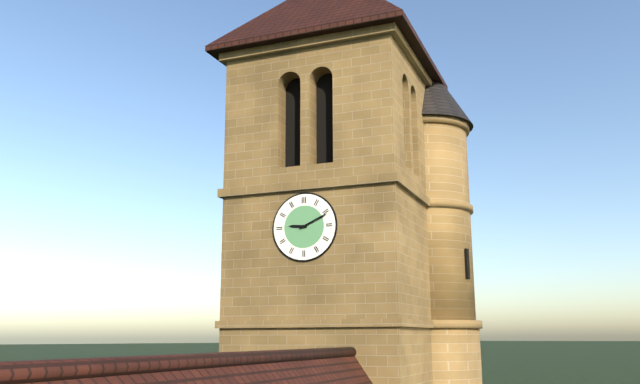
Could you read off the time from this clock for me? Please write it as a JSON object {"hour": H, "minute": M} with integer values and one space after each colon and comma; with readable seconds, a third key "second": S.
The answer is {"hour": 9, "minute": 11}
